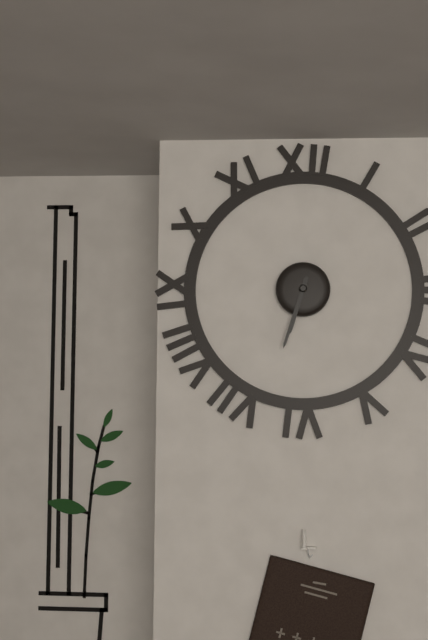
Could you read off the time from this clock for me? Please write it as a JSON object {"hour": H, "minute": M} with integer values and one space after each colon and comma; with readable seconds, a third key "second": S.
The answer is {"hour": 6, "minute": 33}
